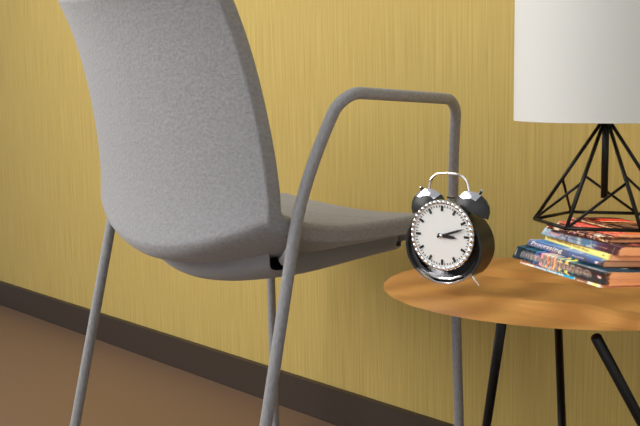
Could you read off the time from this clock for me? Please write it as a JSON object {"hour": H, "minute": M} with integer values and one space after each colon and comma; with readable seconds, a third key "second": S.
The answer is {"hour": 3, "minute": 12}
